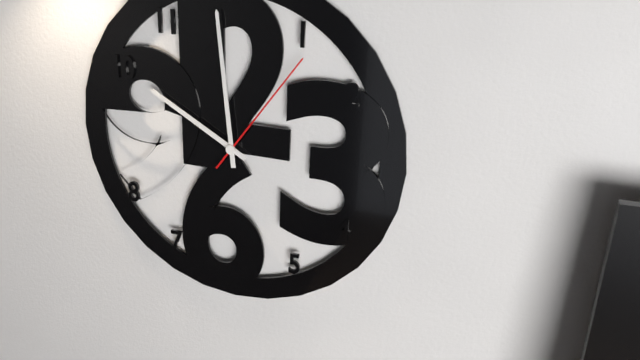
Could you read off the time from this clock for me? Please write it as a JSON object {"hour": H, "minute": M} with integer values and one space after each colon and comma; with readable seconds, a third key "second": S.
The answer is {"hour": 9, "minute": 59, "second": 6}
